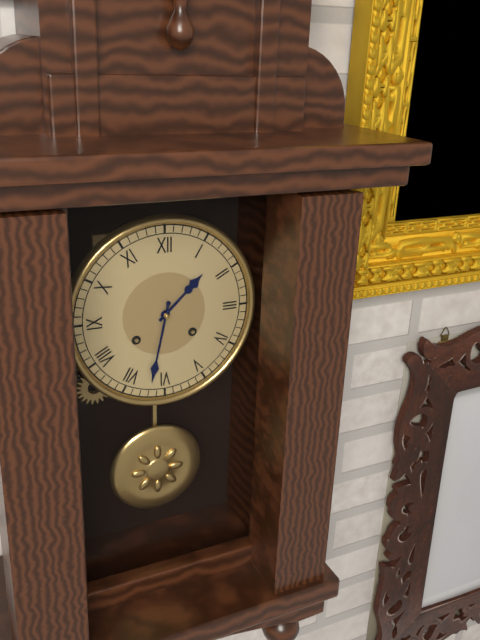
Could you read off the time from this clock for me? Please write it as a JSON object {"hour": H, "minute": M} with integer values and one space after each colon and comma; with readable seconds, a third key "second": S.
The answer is {"hour": 1, "minute": 32}
